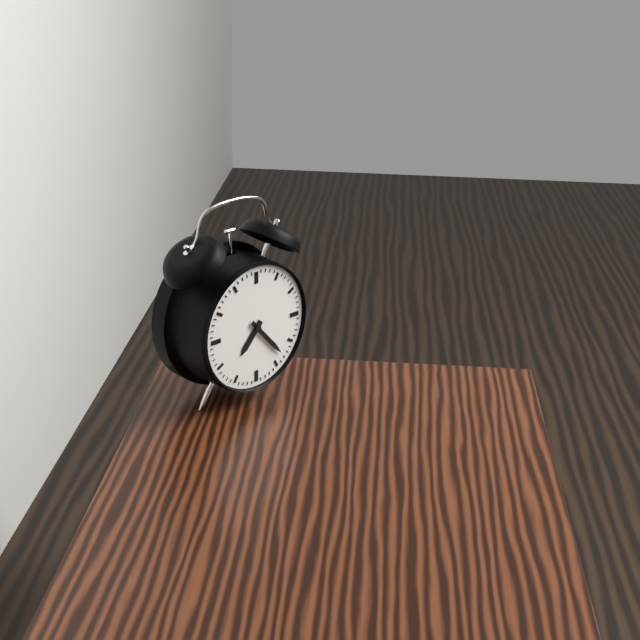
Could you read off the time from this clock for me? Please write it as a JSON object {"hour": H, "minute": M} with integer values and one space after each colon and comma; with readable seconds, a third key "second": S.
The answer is {"hour": 7, "minute": 23}
